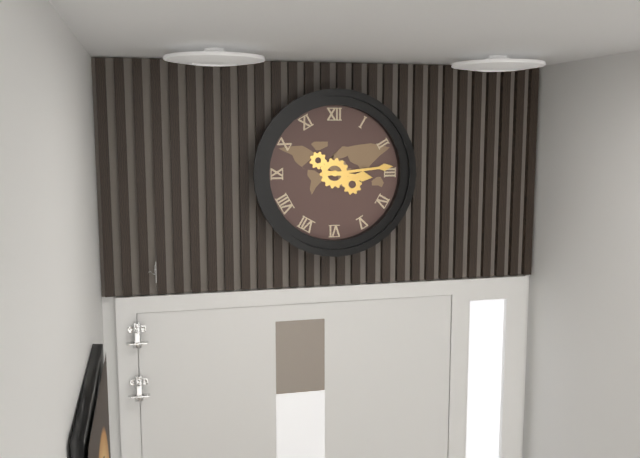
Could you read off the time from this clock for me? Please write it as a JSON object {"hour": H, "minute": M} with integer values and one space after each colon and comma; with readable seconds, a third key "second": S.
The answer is {"hour": 3, "minute": 14}
